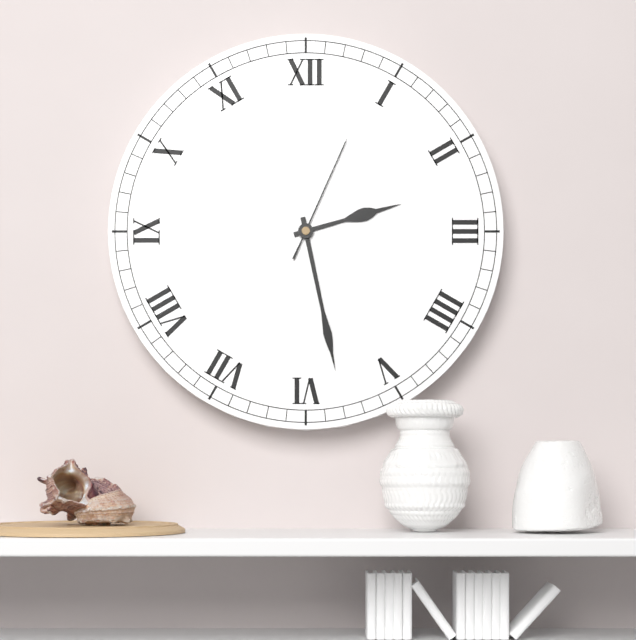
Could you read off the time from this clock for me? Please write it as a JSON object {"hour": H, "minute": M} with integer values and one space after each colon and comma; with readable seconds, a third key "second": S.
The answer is {"hour": 2, "minute": 28, "second": 4}
